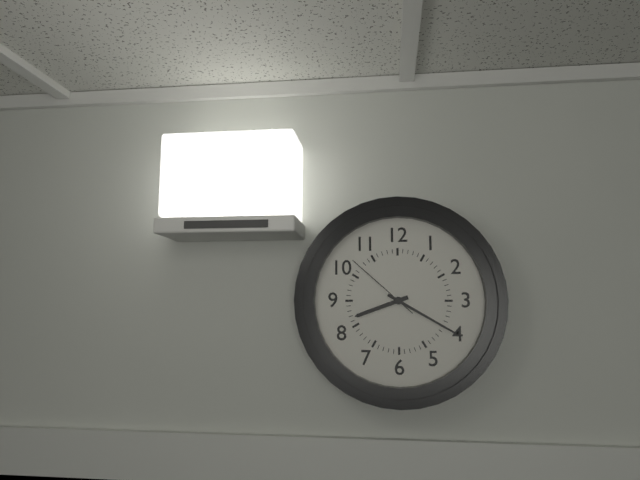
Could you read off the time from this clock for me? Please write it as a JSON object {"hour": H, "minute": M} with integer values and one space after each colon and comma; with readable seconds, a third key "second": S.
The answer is {"hour": 8, "minute": 20, "second": 52}
